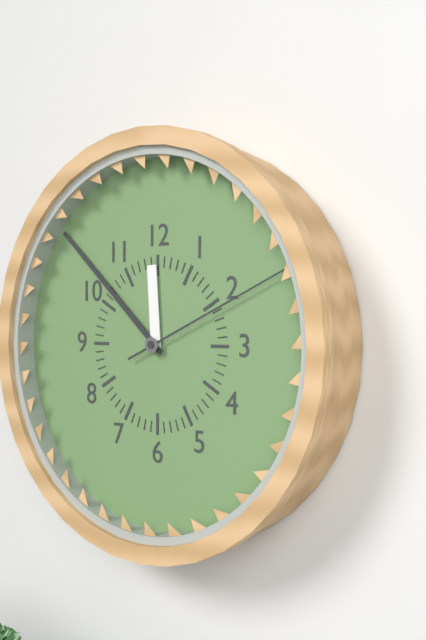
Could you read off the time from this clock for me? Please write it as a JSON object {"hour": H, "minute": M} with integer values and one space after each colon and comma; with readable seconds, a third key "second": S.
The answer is {"hour": 11, "minute": 52, "second": 11}
